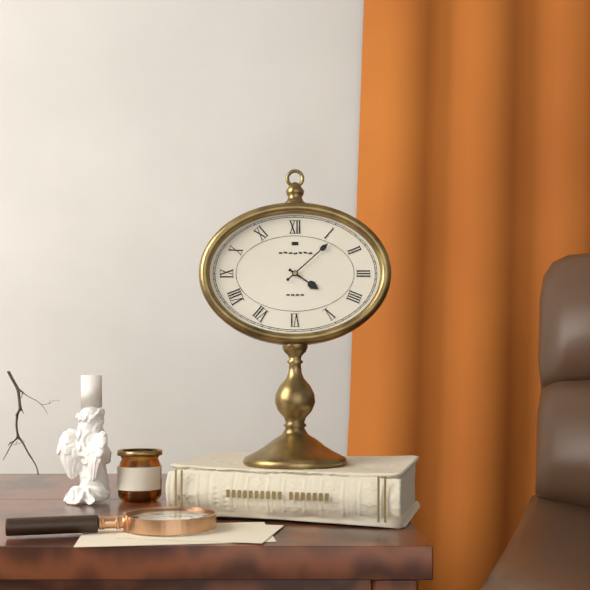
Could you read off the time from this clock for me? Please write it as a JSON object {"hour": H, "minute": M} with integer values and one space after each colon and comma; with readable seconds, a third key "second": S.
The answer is {"hour": 4, "minute": 8}
